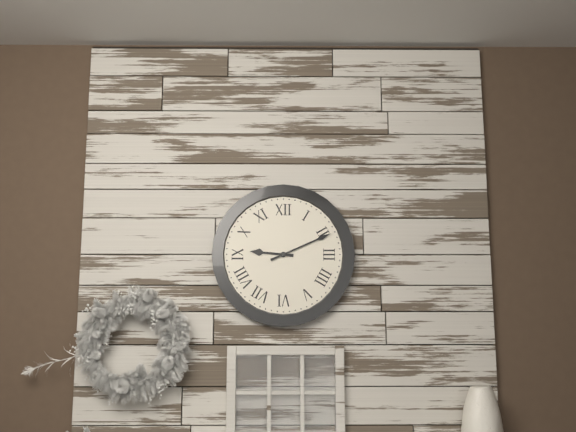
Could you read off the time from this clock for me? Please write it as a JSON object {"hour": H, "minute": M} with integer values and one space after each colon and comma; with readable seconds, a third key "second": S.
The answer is {"hour": 9, "minute": 11}
